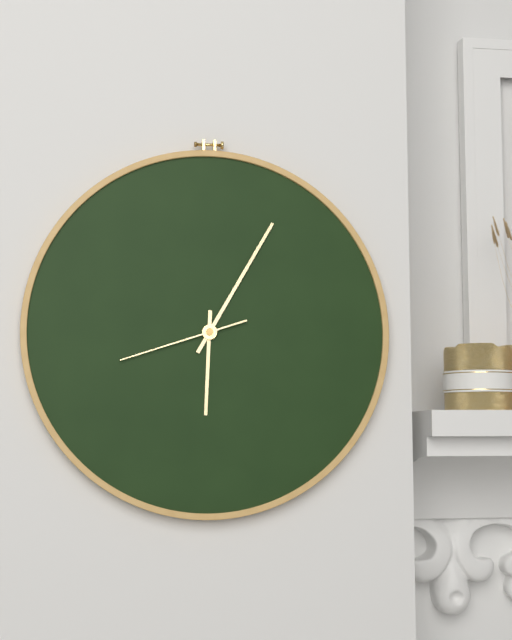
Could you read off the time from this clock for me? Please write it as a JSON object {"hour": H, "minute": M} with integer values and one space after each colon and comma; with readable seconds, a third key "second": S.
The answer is {"hour": 6, "minute": 5, "second": 42}
